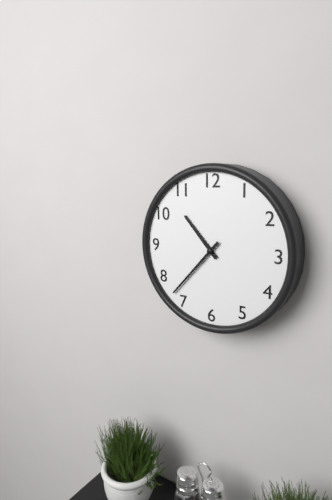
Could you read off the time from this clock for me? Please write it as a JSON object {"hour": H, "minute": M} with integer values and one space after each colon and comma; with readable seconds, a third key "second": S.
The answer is {"hour": 10, "minute": 37}
